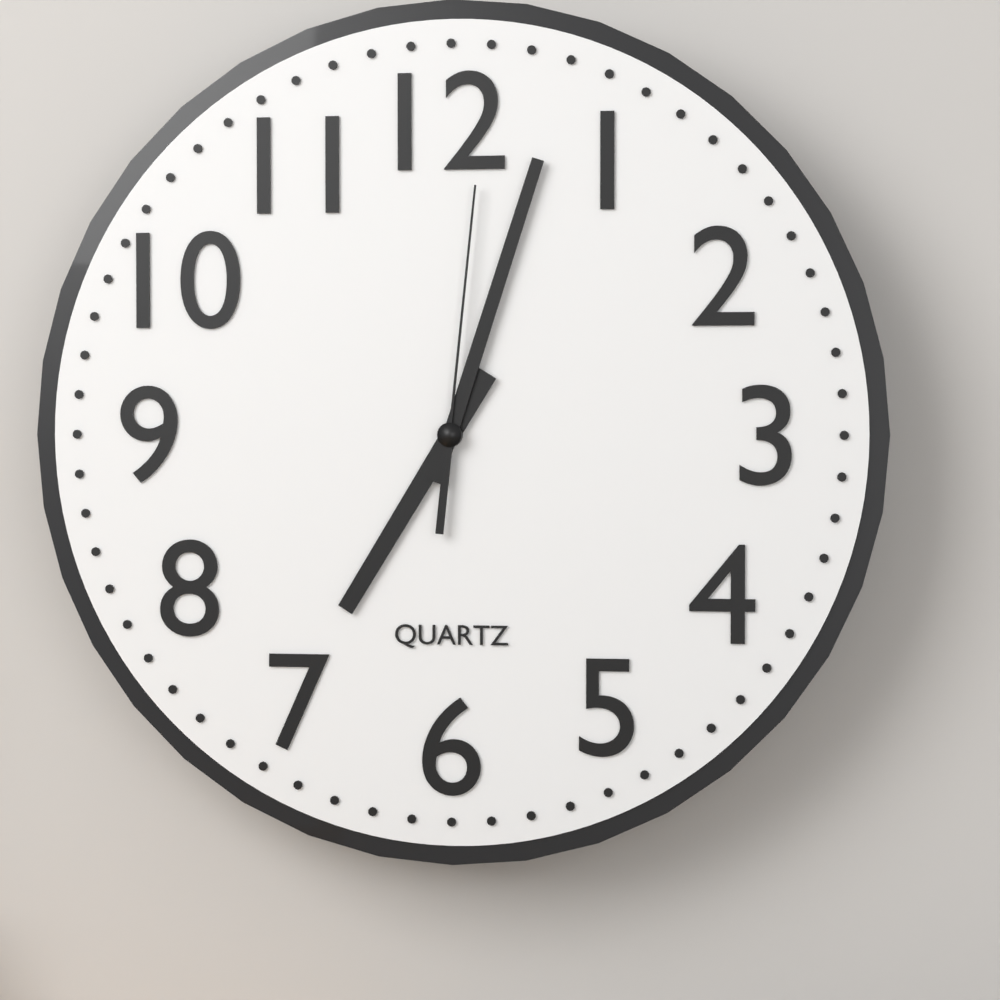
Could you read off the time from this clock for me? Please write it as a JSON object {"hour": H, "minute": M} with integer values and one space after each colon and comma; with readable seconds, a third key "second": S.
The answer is {"hour": 7, "minute": 3, "second": 1}
